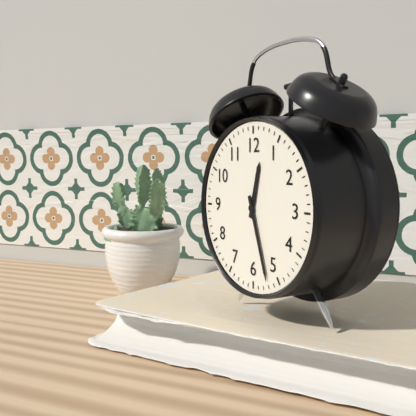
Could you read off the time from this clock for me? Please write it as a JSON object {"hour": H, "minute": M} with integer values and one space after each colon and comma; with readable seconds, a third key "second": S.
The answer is {"hour": 12, "minute": 27}
